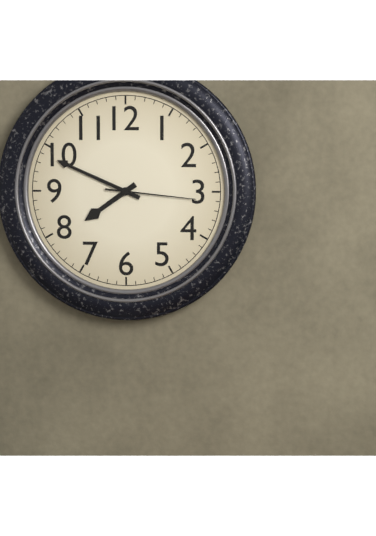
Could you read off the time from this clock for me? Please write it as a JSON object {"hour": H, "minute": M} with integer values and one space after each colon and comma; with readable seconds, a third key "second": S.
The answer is {"hour": 7, "minute": 49, "second": 16}
